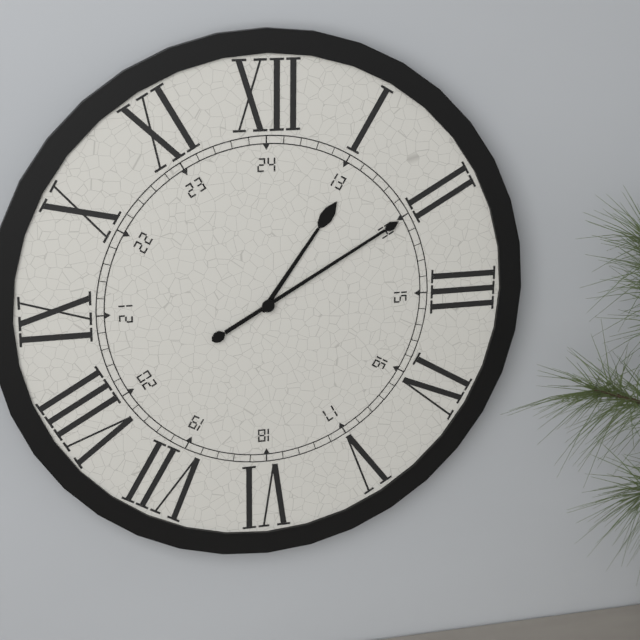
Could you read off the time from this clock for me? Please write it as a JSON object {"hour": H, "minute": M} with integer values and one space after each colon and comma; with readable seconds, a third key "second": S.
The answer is {"hour": 1, "minute": 10}
